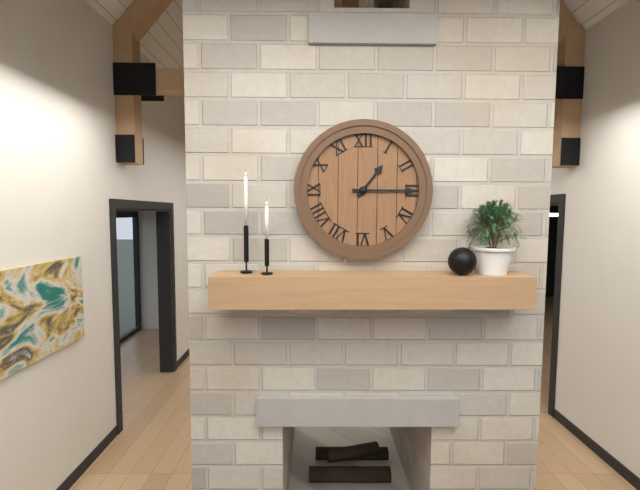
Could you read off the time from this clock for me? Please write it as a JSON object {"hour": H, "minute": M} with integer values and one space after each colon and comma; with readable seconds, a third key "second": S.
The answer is {"hour": 1, "minute": 15}
